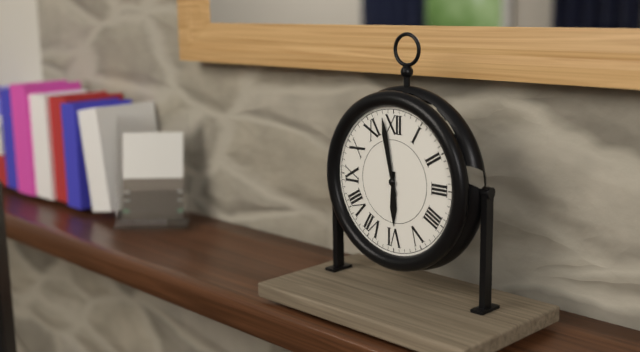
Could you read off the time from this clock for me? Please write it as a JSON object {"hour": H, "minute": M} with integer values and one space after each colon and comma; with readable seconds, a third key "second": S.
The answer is {"hour": 5, "minute": 58}
